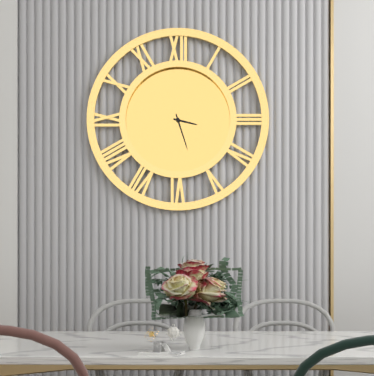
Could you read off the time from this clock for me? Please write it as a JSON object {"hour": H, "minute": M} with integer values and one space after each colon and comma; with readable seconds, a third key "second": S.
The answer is {"hour": 3, "minute": 27}
